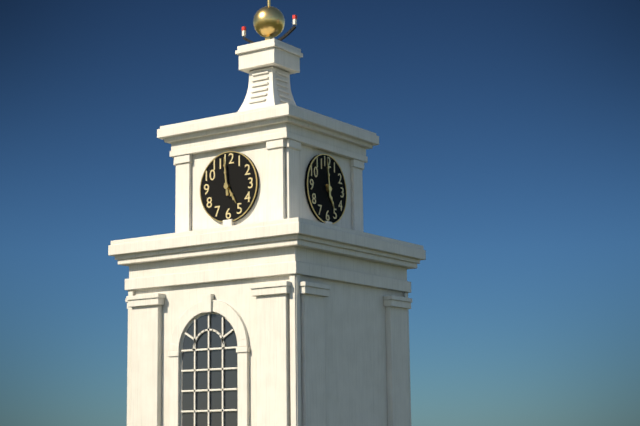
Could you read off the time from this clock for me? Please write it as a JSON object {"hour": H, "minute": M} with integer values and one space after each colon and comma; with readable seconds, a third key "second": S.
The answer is {"hour": 4, "minute": 59}
